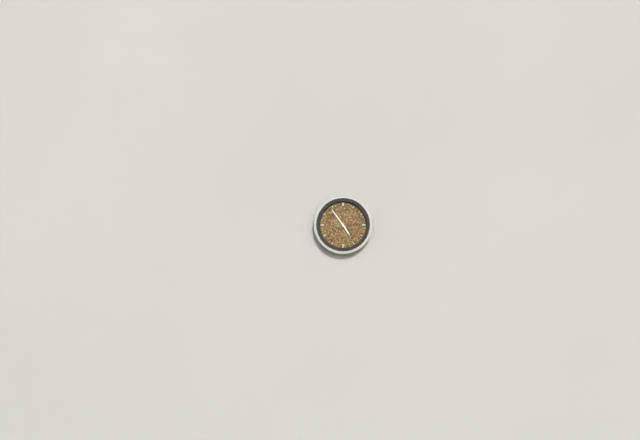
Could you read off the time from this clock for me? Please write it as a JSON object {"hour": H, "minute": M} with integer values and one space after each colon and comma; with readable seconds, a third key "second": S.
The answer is {"hour": 4, "minute": 54}
